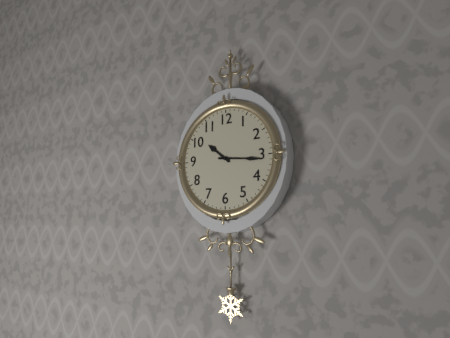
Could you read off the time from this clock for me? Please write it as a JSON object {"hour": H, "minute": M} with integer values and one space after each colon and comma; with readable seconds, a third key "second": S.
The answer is {"hour": 10, "minute": 16}
